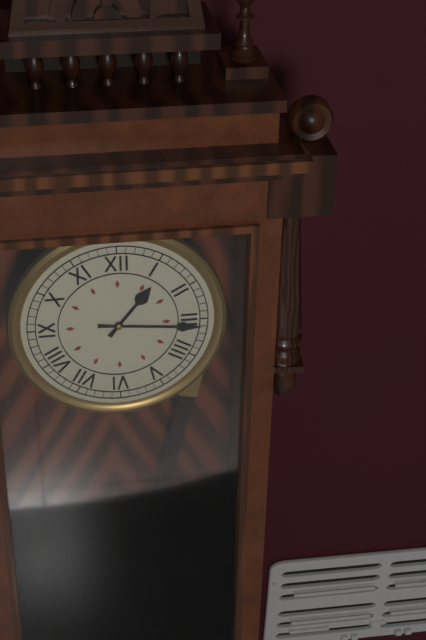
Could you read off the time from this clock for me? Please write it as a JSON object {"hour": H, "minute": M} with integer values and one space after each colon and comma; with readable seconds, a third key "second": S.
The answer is {"hour": 1, "minute": 16}
